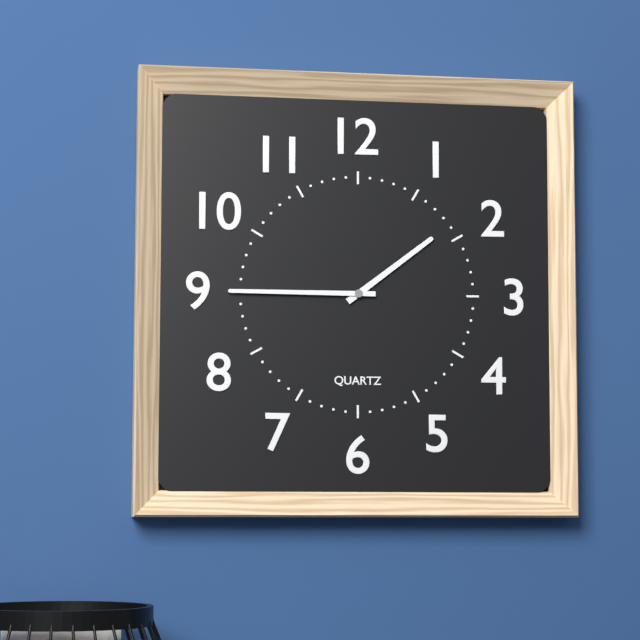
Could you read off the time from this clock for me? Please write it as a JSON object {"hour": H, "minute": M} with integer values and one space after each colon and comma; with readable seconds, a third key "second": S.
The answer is {"hour": 1, "minute": 45}
